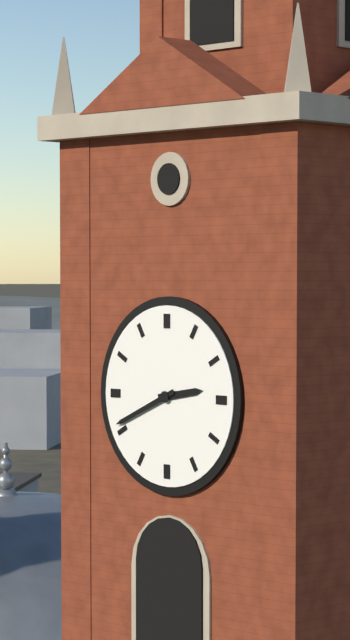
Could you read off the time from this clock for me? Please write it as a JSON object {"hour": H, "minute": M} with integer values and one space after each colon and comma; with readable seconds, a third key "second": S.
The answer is {"hour": 2, "minute": 41}
